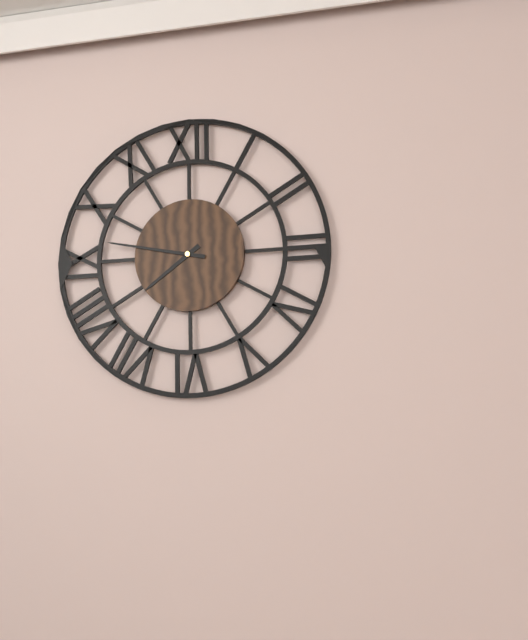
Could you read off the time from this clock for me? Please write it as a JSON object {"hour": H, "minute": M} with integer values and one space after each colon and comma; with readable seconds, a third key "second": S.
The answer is {"hour": 7, "minute": 47}
